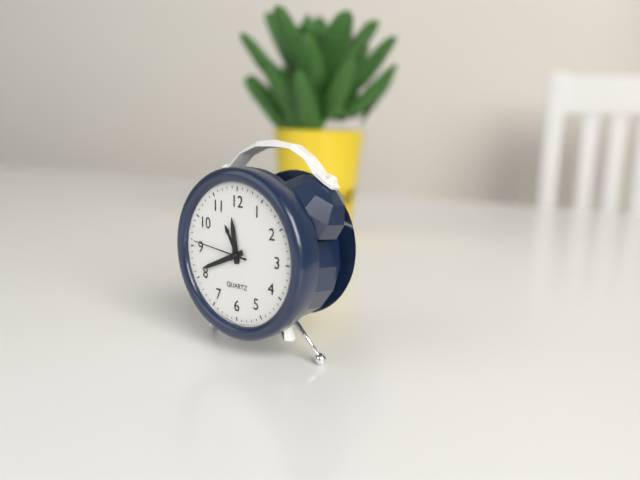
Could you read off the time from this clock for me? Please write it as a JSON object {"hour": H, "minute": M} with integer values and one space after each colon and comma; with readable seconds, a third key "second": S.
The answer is {"hour": 11, "minute": 41, "second": 46}
